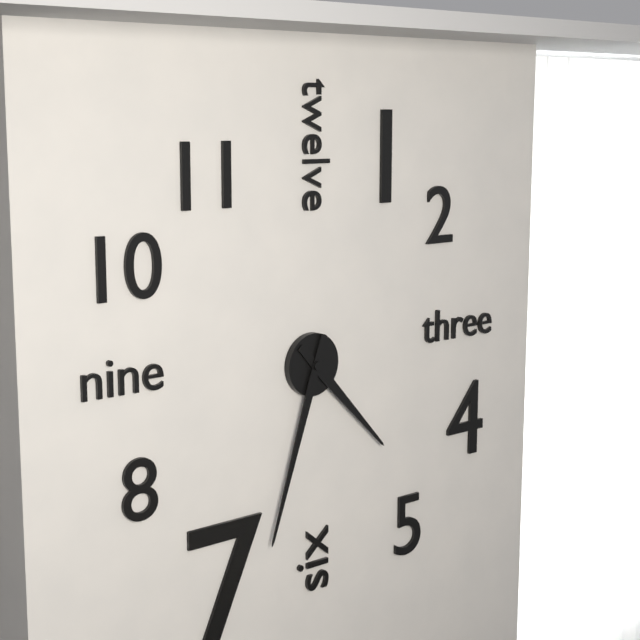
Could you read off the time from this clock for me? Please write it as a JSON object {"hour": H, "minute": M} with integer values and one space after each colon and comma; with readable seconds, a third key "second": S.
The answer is {"hour": 4, "minute": 33}
